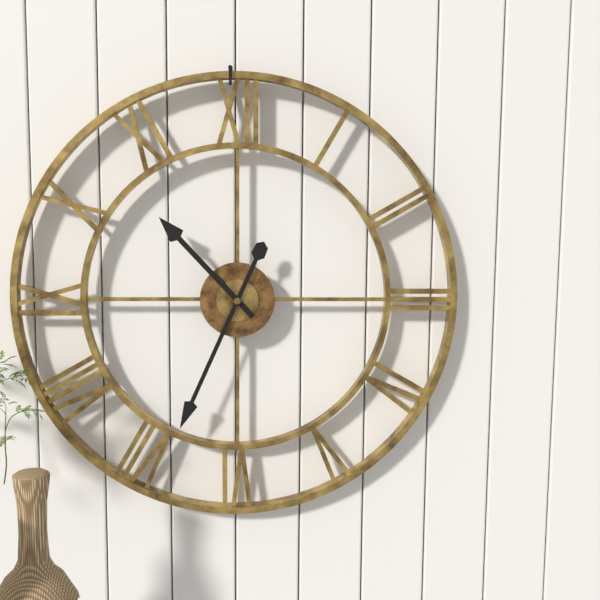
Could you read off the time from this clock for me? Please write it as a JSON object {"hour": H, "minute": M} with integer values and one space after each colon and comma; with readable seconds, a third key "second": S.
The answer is {"hour": 10, "minute": 34}
